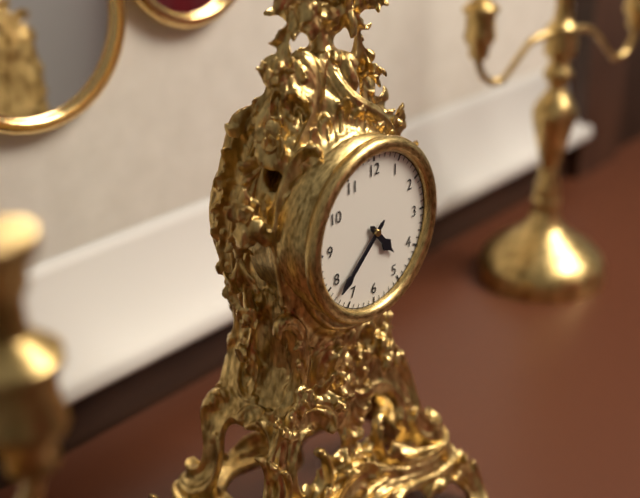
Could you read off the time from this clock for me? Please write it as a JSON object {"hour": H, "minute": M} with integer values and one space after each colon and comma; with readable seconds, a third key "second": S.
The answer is {"hour": 4, "minute": 38}
